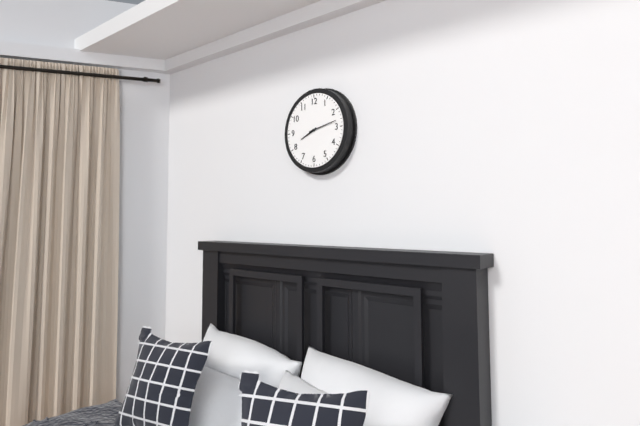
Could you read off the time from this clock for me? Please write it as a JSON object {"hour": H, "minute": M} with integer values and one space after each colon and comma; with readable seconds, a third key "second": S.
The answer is {"hour": 8, "minute": 13}
